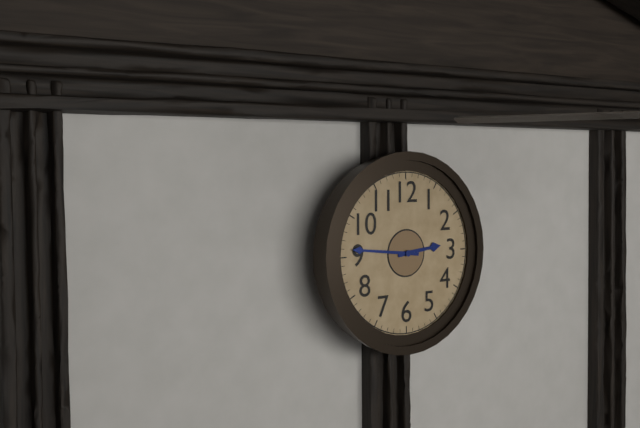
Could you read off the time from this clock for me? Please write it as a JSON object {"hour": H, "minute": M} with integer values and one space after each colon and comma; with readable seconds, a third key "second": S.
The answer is {"hour": 2, "minute": 46}
